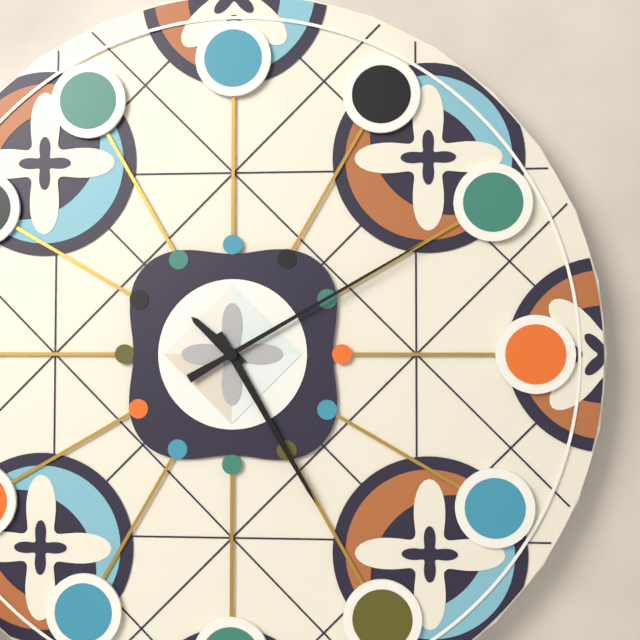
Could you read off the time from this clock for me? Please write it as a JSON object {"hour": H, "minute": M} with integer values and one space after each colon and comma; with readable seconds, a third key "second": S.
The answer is {"hour": 10, "minute": 25, "second": 10}
